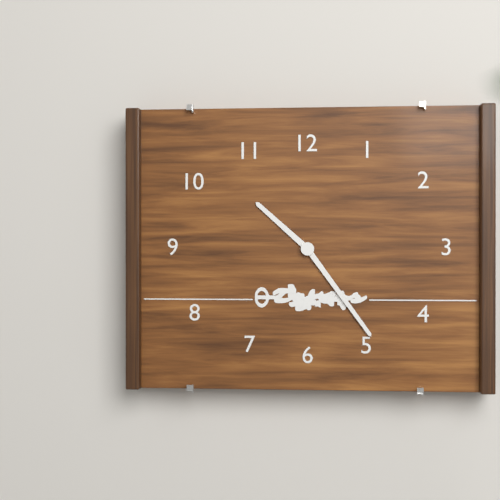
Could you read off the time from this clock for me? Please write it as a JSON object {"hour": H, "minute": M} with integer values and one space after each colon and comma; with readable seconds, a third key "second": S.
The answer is {"hour": 10, "minute": 24}
